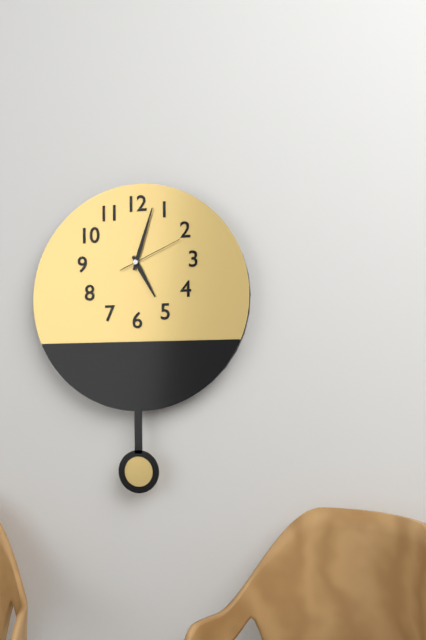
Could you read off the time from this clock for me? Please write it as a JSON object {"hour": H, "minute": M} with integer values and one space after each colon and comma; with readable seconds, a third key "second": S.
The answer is {"hour": 5, "minute": 3, "second": 11}
